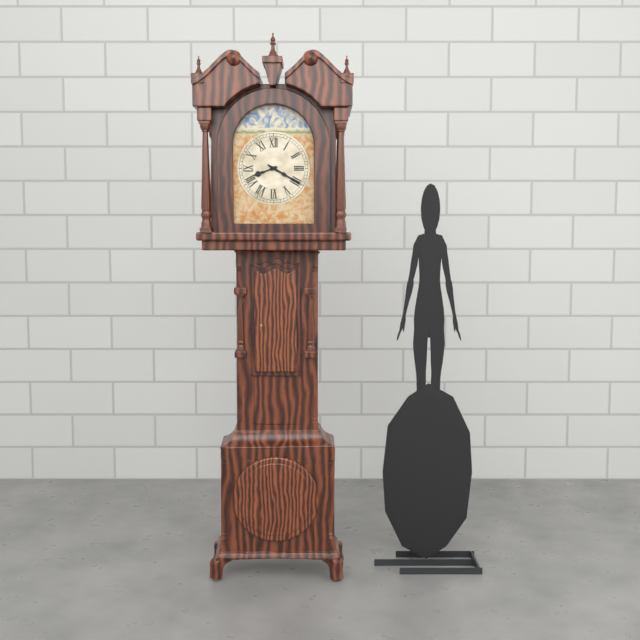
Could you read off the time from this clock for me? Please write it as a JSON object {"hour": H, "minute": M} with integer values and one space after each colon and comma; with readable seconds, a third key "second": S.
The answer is {"hour": 8, "minute": 20}
